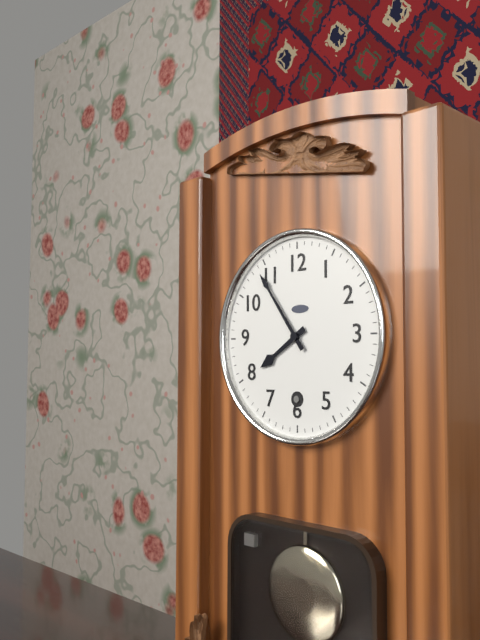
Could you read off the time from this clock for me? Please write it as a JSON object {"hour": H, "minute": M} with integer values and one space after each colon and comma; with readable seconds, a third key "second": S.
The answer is {"hour": 7, "minute": 54}
